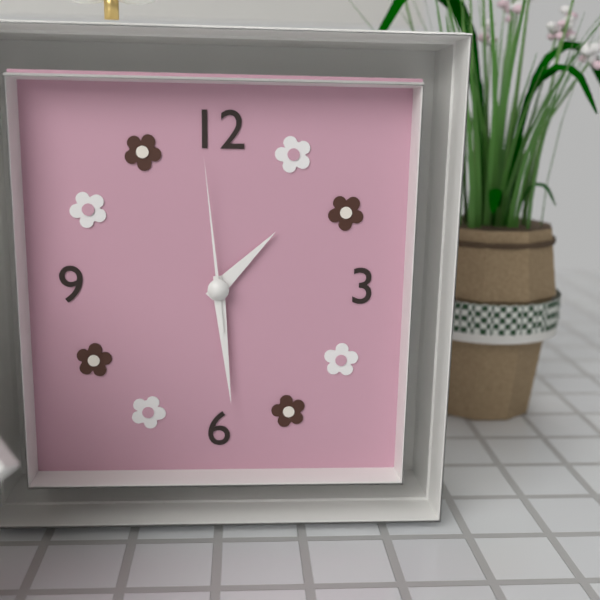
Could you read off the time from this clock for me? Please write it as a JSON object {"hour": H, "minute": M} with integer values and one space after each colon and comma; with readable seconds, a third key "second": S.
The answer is {"hour": 1, "minute": 29, "second": 59}
